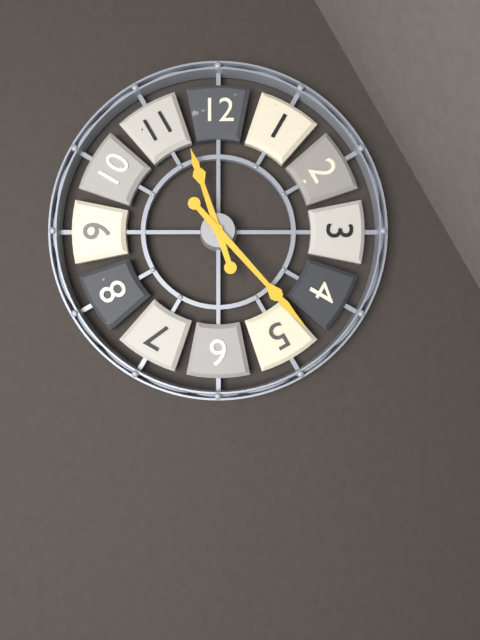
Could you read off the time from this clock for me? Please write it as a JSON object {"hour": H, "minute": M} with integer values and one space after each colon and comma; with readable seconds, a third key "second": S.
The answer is {"hour": 11, "minute": 23}
